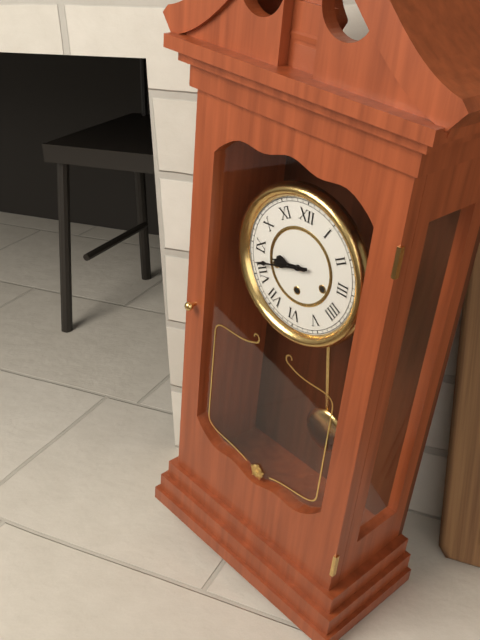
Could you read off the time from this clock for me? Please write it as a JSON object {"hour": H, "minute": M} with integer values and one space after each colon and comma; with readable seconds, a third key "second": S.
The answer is {"hour": 8, "minute": 42}
